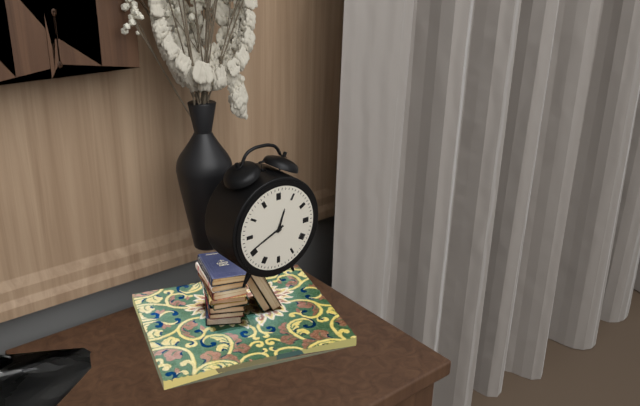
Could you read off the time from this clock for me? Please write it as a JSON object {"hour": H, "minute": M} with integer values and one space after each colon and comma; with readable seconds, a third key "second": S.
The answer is {"hour": 12, "minute": 41}
